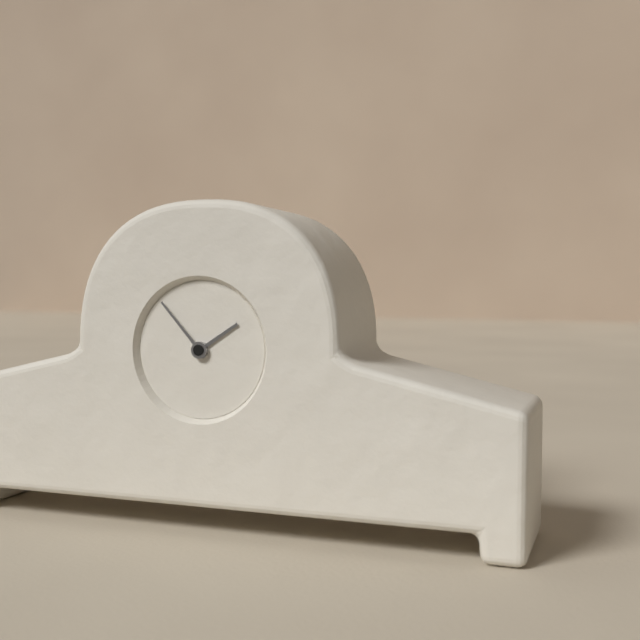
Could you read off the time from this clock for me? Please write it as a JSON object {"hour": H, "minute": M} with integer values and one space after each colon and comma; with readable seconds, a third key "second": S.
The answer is {"hour": 1, "minute": 53}
